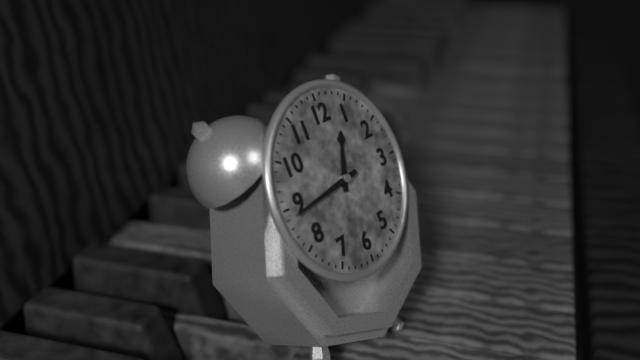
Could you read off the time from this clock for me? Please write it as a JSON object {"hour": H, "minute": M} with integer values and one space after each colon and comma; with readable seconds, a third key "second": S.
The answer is {"hour": 12, "minute": 44}
